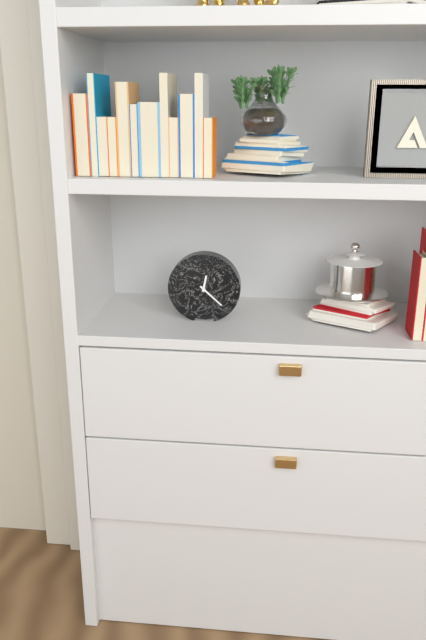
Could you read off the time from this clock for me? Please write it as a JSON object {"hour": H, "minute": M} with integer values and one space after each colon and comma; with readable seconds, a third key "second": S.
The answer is {"hour": 12, "minute": 22}
